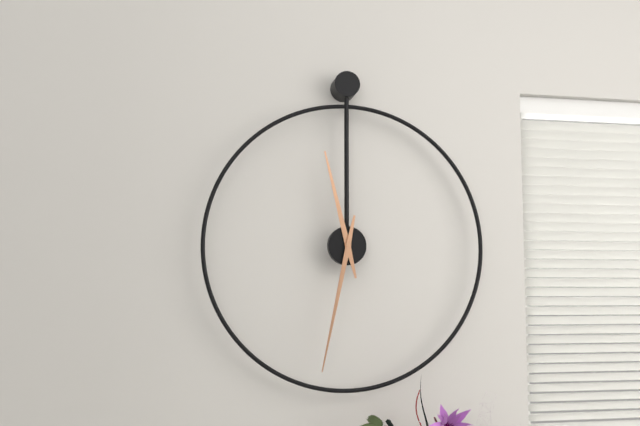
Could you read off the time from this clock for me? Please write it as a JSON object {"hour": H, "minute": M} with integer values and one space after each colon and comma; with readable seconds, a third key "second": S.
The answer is {"hour": 11, "minute": 32}
